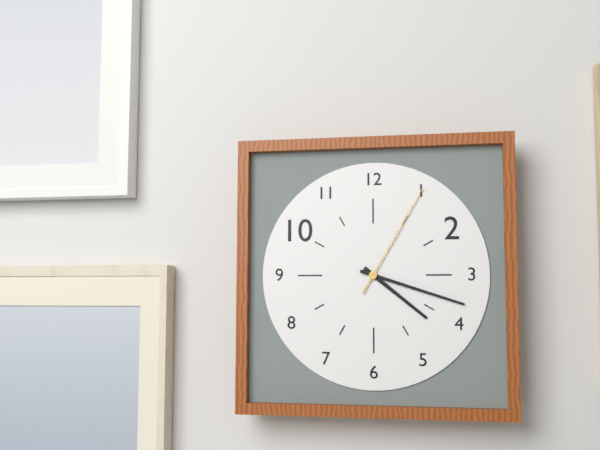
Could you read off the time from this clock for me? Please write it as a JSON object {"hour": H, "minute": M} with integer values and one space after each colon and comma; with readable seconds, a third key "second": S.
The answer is {"hour": 4, "minute": 18, "second": 5}
